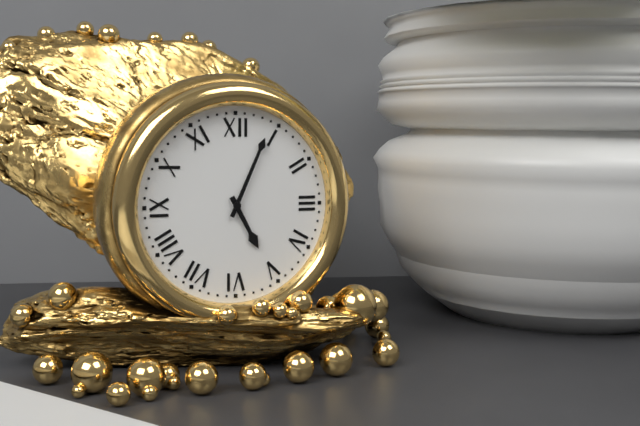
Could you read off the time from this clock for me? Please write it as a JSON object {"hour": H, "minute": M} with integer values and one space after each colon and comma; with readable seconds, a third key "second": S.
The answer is {"hour": 5, "minute": 4}
